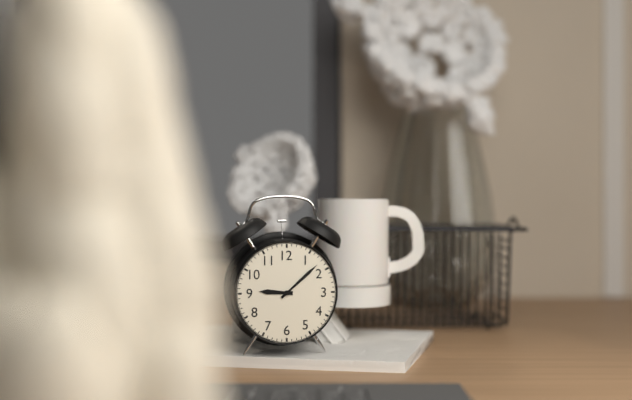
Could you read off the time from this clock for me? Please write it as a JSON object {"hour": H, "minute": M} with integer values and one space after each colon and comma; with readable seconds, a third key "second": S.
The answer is {"hour": 9, "minute": 8}
